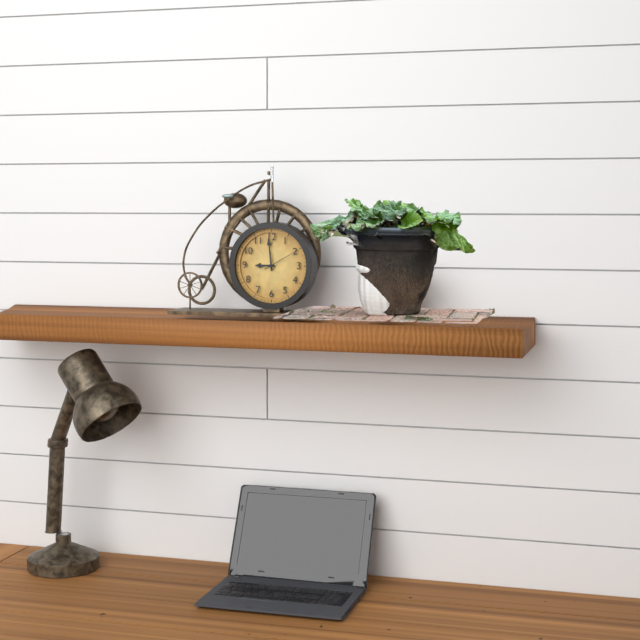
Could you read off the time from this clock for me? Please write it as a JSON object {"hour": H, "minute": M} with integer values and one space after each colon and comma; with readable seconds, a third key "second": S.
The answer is {"hour": 8, "minute": 59}
